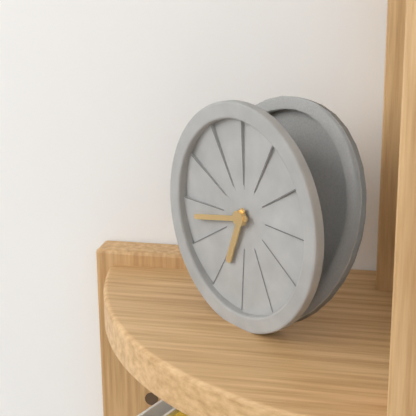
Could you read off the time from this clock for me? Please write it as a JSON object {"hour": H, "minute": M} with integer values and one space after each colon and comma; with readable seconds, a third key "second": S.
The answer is {"hour": 6, "minute": 43}
